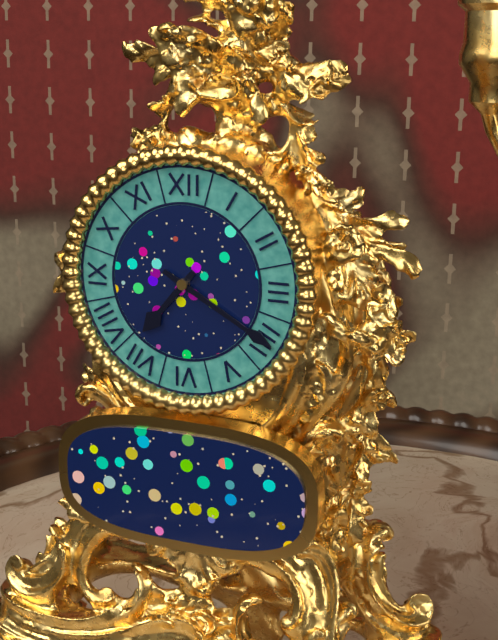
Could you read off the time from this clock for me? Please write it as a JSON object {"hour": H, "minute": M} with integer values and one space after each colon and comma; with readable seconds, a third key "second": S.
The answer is {"hour": 7, "minute": 20}
